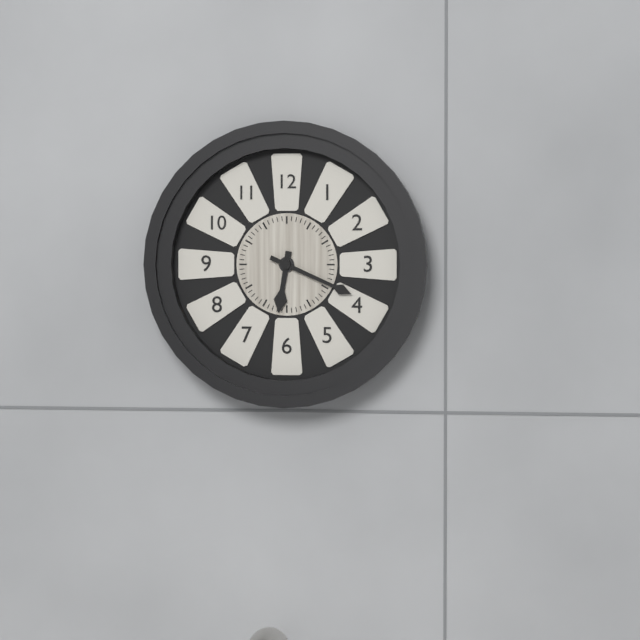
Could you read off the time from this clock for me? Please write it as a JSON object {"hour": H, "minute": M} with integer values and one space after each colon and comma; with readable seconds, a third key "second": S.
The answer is {"hour": 6, "minute": 19}
